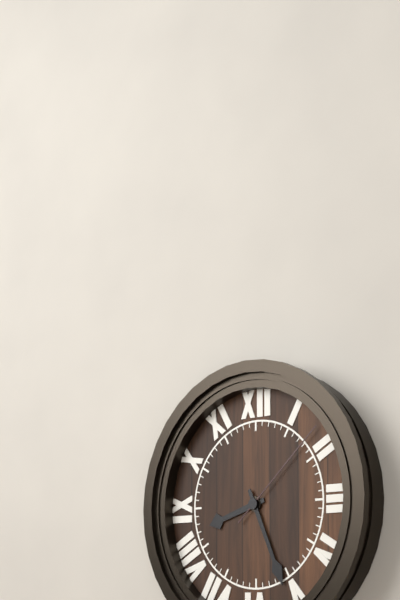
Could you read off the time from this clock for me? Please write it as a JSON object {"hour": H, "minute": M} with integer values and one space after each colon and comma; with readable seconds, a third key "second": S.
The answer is {"hour": 8, "minute": 26, "second": 8}
